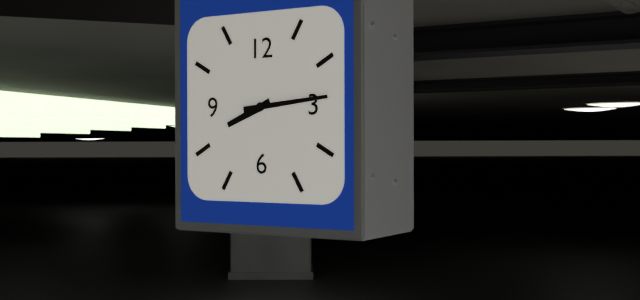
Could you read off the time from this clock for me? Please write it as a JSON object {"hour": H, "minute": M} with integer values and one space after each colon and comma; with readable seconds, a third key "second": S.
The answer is {"hour": 8, "minute": 14}
